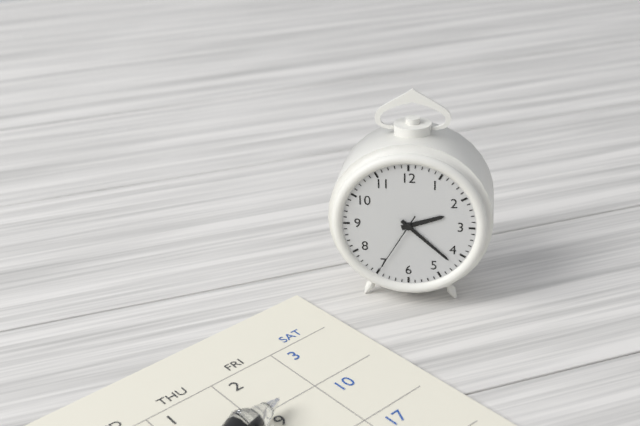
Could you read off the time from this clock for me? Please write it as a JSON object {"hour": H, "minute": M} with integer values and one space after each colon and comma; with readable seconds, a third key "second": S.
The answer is {"hour": 2, "minute": 22, "second": 35}
